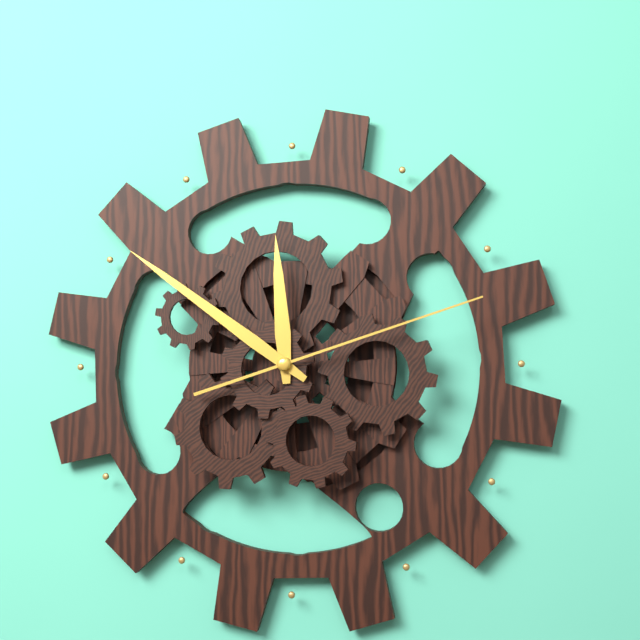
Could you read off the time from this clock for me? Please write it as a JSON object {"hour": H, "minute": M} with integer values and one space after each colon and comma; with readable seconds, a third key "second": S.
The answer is {"hour": 11, "minute": 51, "second": 12}
